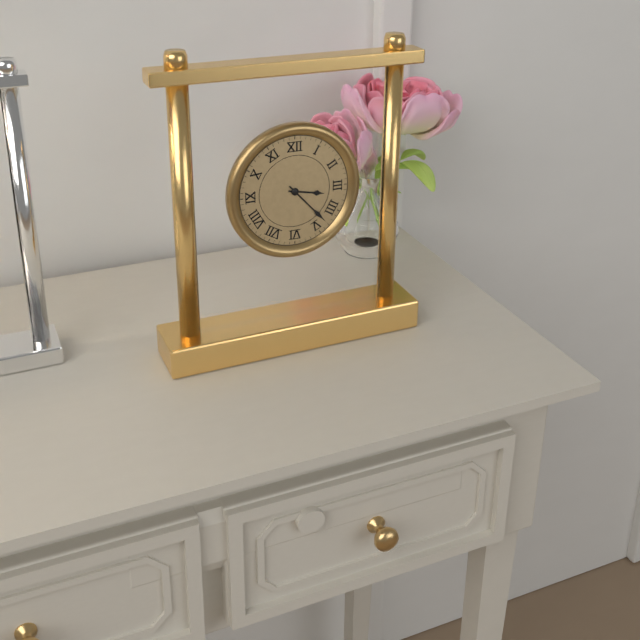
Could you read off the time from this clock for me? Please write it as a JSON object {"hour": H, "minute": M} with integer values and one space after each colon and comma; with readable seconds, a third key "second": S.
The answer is {"hour": 3, "minute": 23}
